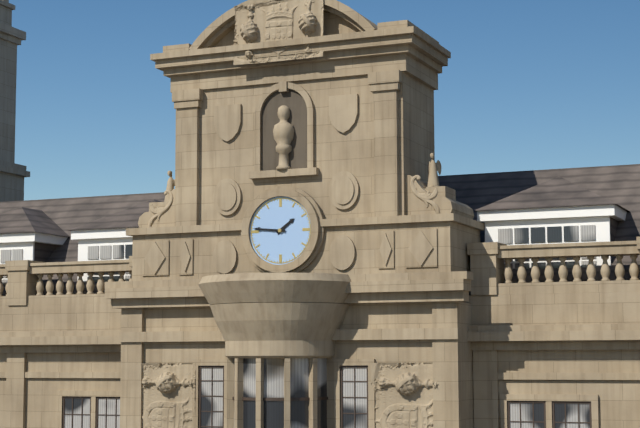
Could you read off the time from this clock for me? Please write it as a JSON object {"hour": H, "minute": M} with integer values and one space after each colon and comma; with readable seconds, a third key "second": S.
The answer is {"hour": 1, "minute": 46}
